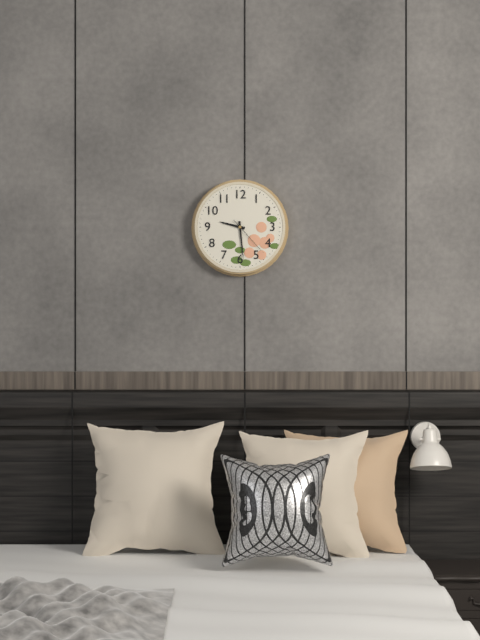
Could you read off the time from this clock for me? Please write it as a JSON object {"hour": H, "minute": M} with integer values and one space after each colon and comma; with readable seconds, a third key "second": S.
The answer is {"hour": 9, "minute": 29}
